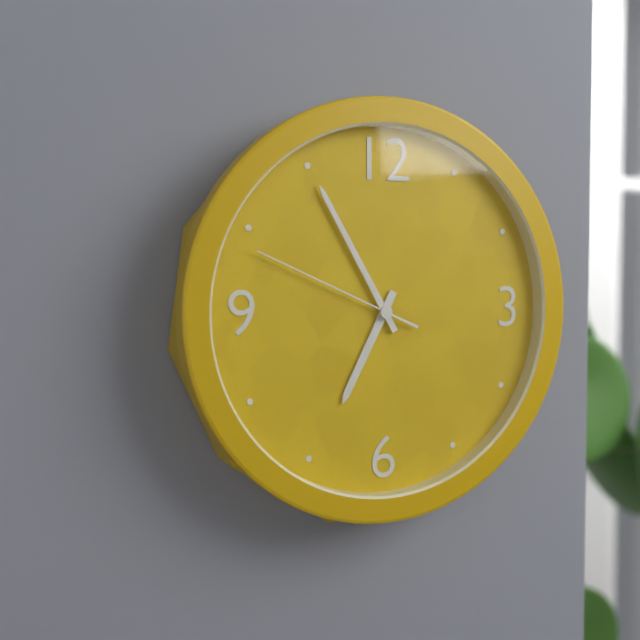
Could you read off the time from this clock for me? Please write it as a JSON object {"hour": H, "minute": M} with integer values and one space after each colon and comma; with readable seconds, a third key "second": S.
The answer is {"hour": 6, "minute": 55, "second": 49}
